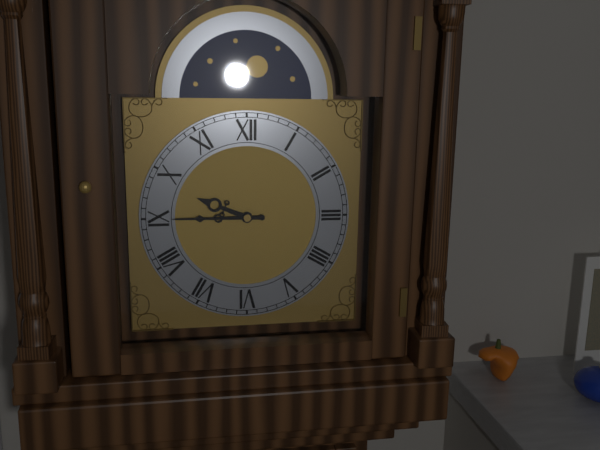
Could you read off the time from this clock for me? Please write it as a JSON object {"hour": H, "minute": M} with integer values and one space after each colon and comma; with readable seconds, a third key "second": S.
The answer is {"hour": 9, "minute": 45}
